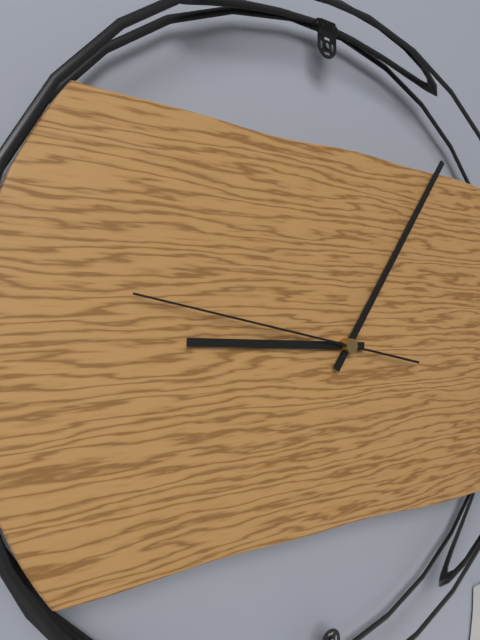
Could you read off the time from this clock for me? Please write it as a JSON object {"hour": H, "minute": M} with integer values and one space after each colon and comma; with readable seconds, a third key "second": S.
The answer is {"hour": 9, "minute": 6, "second": 47}
